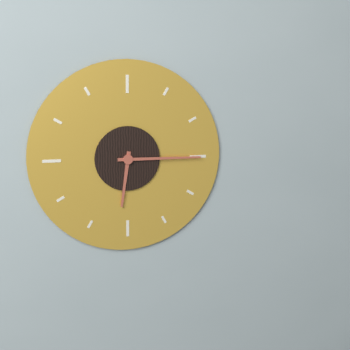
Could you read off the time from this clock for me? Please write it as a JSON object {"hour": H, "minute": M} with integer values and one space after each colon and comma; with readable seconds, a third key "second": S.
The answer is {"hour": 6, "minute": 15}
